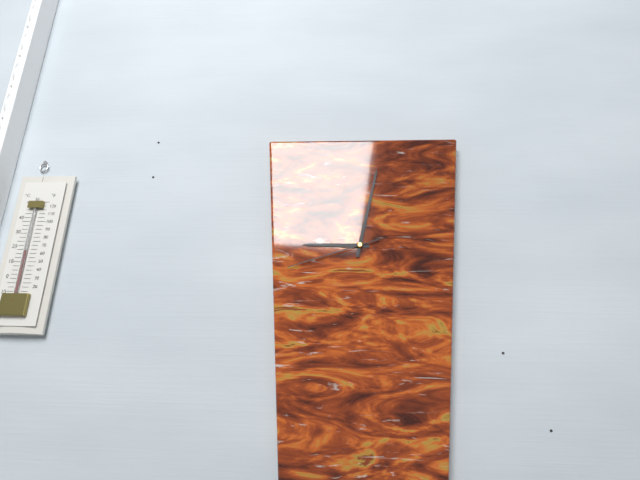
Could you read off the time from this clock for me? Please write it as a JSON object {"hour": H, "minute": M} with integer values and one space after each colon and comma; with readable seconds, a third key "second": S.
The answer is {"hour": 9, "minute": 2, "second": 42}
